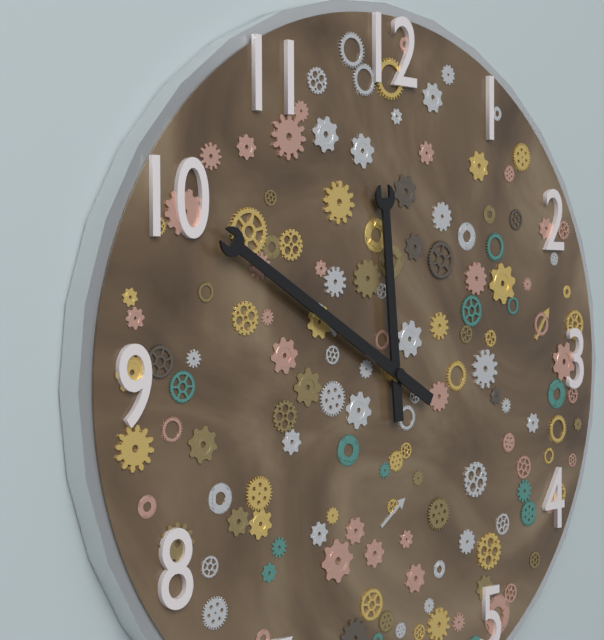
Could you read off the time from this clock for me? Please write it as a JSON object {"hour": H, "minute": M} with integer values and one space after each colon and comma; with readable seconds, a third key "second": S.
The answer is {"hour": 11, "minute": 50}
